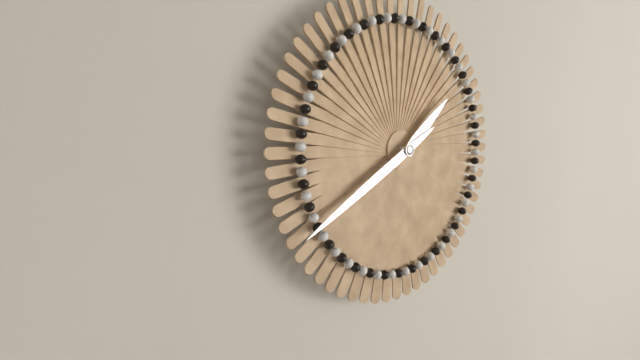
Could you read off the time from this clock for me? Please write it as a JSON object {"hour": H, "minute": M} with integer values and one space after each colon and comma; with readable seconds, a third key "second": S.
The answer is {"hour": 1, "minute": 40}
